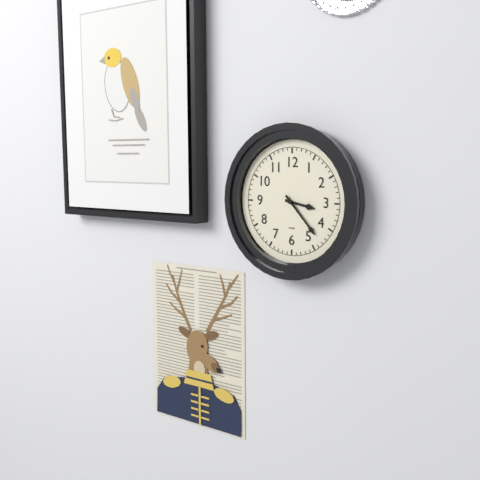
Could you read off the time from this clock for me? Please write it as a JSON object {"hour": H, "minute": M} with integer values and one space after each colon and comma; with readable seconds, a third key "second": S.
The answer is {"hour": 3, "minute": 23}
